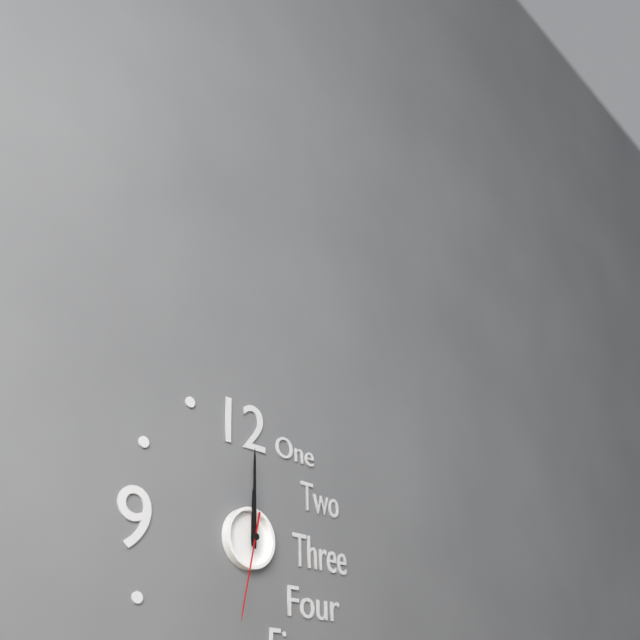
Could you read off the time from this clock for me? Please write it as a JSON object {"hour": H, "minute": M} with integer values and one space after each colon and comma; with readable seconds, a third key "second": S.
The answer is {"hour": 12, "minute": 0, "second": 32}
